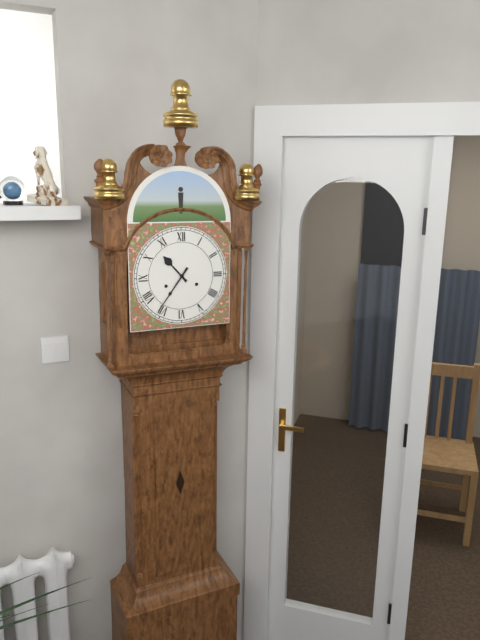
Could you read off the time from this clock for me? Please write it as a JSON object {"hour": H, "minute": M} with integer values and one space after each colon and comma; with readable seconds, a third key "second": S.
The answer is {"hour": 10, "minute": 36}
